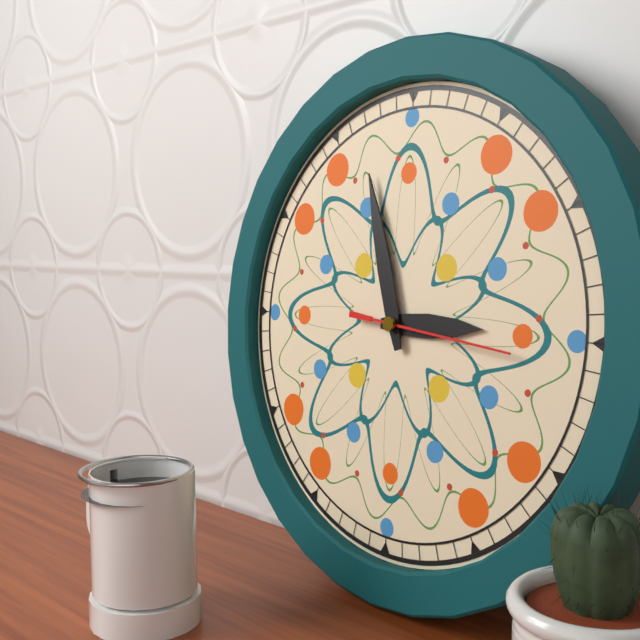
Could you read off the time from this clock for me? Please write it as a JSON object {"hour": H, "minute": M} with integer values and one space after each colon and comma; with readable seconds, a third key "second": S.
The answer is {"hour": 2, "minute": 57, "second": 16}
